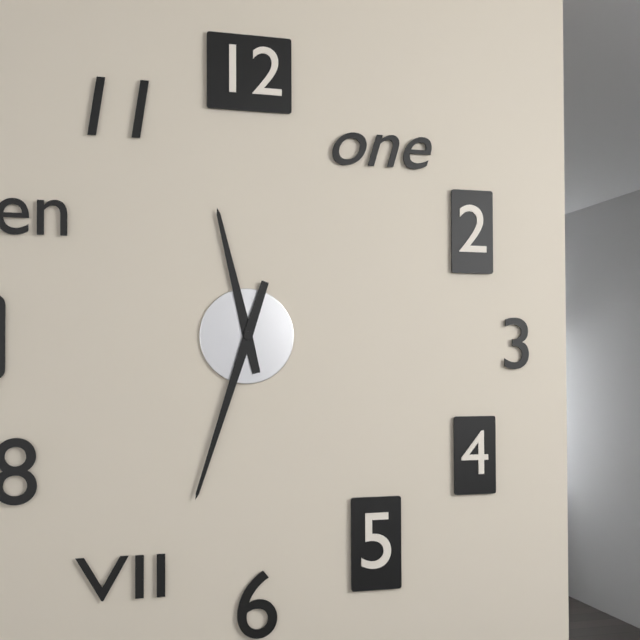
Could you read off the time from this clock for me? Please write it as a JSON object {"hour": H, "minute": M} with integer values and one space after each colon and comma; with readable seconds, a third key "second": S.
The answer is {"hour": 11, "minute": 33}
